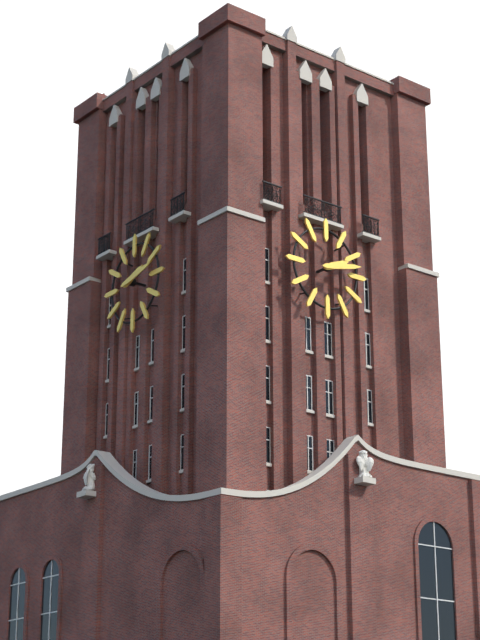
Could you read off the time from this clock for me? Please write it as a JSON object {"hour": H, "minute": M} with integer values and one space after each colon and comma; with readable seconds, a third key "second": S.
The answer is {"hour": 2, "minute": 13}
